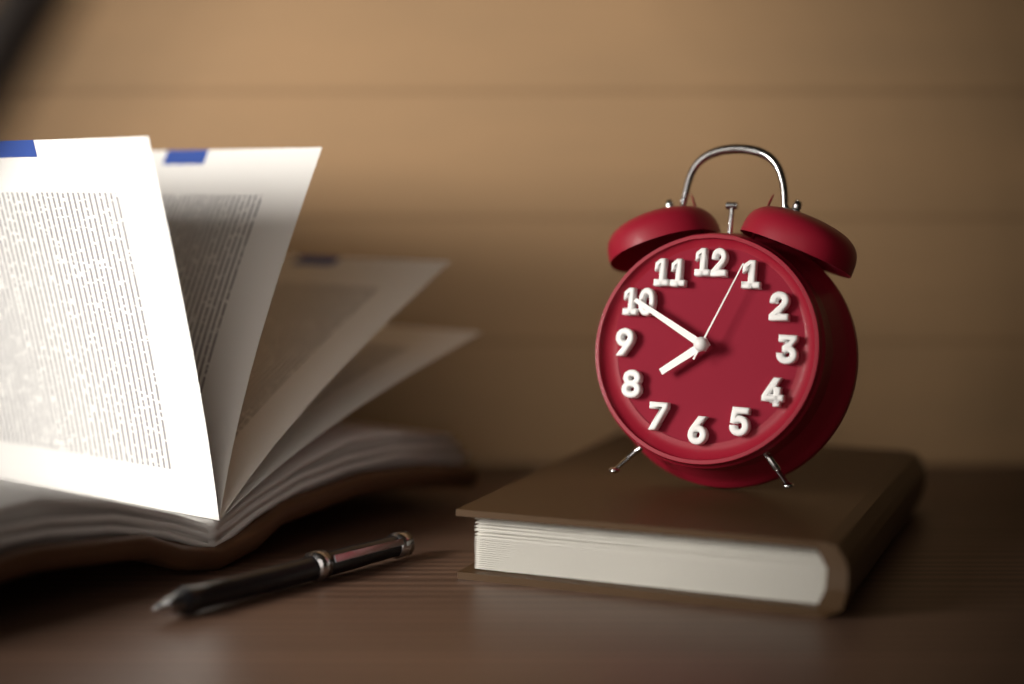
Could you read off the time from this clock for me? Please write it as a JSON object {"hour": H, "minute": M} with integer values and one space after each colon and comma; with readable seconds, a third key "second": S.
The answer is {"hour": 7, "minute": 50, "second": 4}
